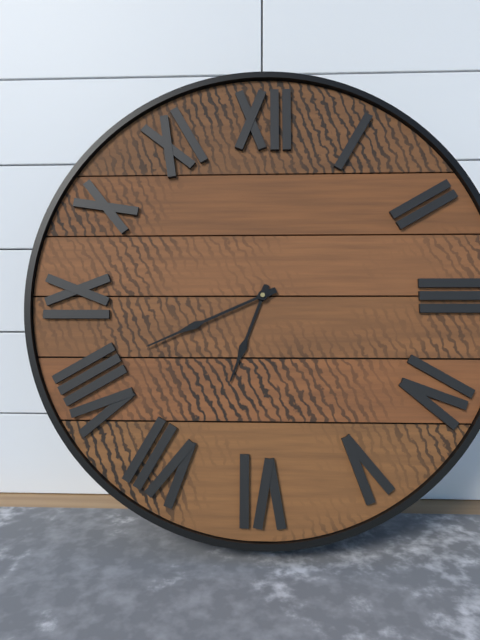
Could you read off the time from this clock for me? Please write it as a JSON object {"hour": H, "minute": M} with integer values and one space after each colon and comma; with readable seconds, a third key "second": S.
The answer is {"hour": 6, "minute": 41}
